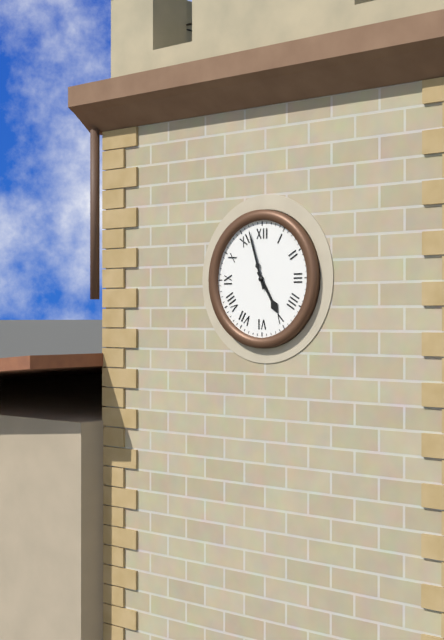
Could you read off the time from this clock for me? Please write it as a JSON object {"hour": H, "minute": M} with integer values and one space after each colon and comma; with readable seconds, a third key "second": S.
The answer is {"hour": 4, "minute": 57}
